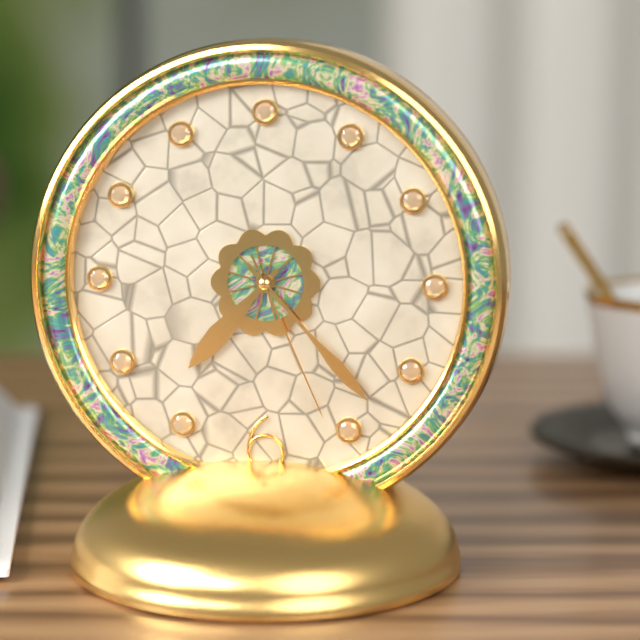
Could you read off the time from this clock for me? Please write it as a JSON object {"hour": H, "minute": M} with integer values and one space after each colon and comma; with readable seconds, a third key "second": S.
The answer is {"hour": 7, "minute": 23, "second": 26}
